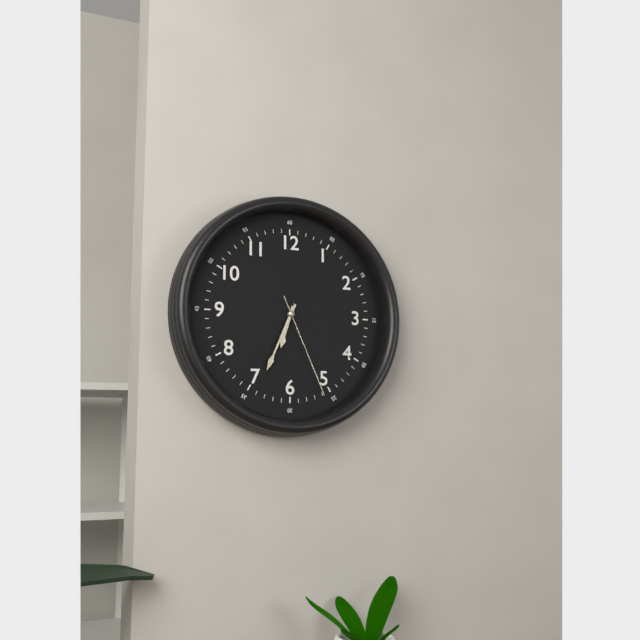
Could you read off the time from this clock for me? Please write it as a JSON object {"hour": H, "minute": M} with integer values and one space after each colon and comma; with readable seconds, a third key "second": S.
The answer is {"hour": 6, "minute": 34, "second": 26}
